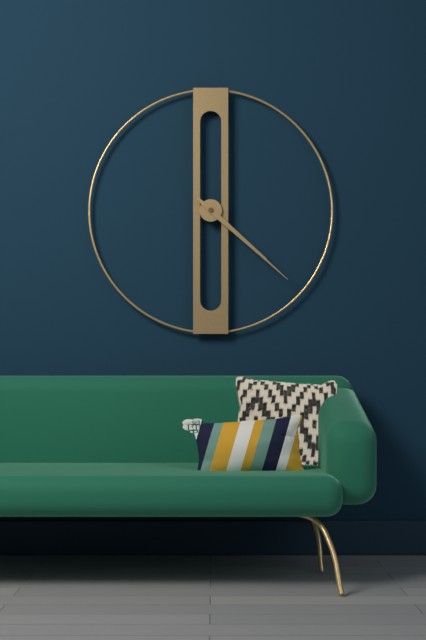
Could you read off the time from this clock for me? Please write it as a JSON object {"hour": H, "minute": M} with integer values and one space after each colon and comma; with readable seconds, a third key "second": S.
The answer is {"hour": 4, "minute": 22}
